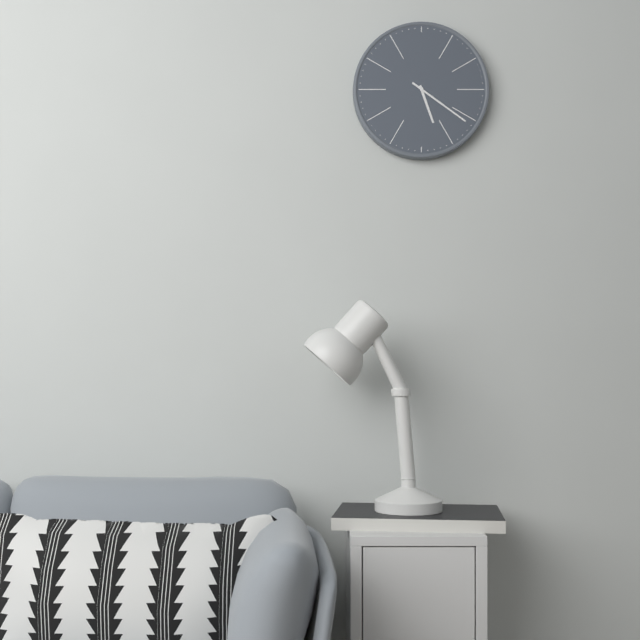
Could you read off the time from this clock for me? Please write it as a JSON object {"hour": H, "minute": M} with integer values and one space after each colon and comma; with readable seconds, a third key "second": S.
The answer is {"hour": 5, "minute": 21}
